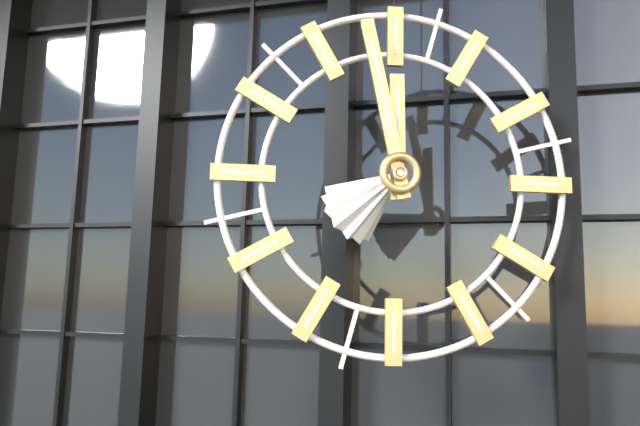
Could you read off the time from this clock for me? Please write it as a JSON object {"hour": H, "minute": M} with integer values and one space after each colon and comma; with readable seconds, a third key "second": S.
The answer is {"hour": 11, "minute": 58}
